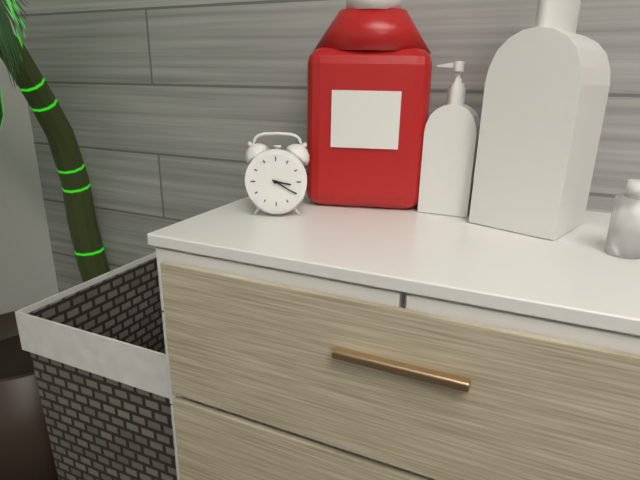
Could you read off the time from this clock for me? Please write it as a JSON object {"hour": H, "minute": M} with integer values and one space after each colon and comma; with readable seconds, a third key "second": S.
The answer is {"hour": 3, "minute": 20}
